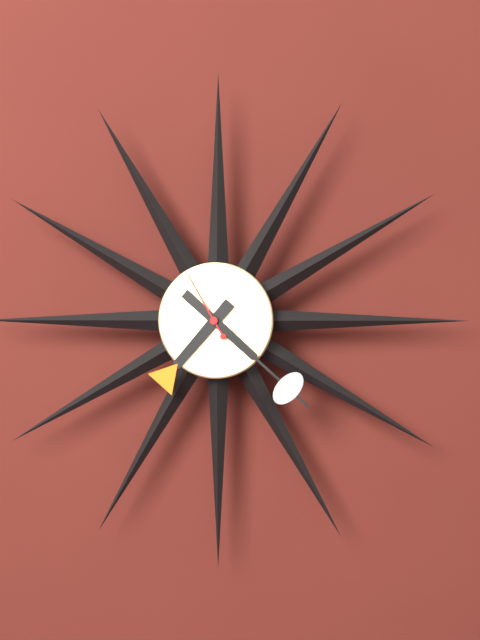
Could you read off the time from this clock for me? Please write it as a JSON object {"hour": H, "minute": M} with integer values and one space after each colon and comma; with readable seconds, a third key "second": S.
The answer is {"hour": 7, "minute": 22, "second": 55}
